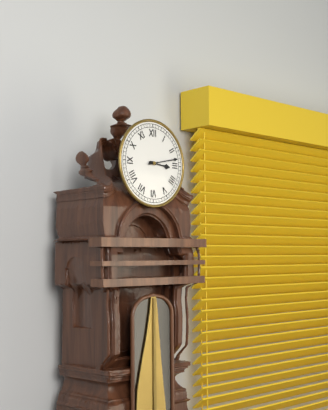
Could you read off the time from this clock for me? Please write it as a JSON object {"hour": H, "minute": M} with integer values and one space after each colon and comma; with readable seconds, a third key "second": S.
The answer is {"hour": 3, "minute": 13}
